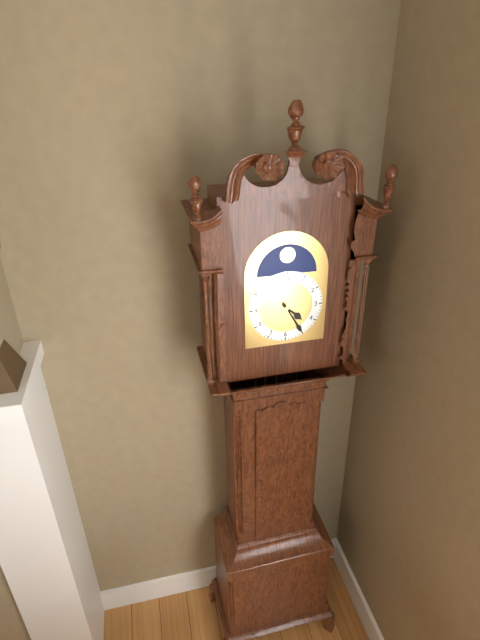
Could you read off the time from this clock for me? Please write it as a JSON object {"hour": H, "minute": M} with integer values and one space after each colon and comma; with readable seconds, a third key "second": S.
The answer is {"hour": 4, "minute": 25}
